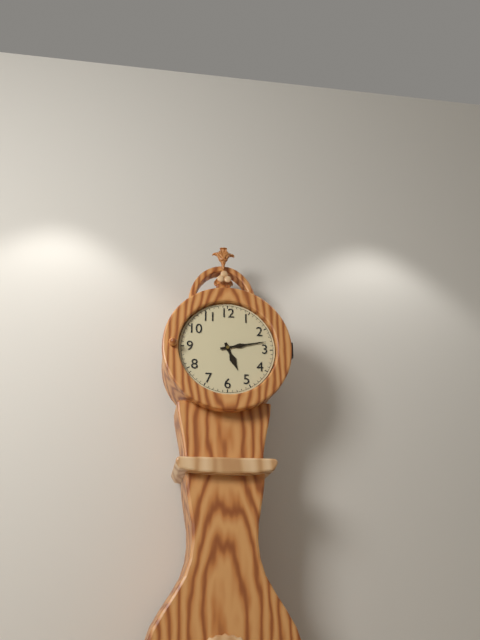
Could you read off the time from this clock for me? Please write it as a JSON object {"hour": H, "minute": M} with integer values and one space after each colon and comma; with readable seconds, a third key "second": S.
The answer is {"hour": 5, "minute": 13}
